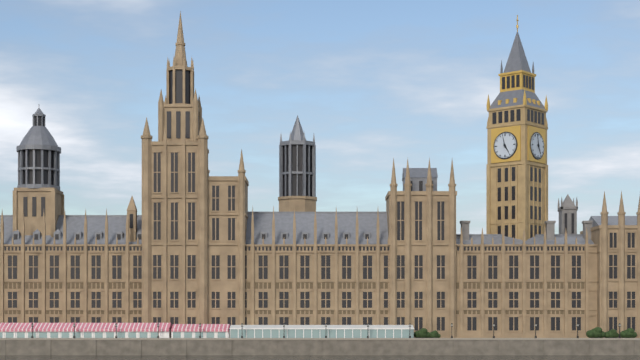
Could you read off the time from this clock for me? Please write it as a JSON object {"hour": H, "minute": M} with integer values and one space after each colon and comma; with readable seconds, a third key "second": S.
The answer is {"hour": 4, "minute": 58}
